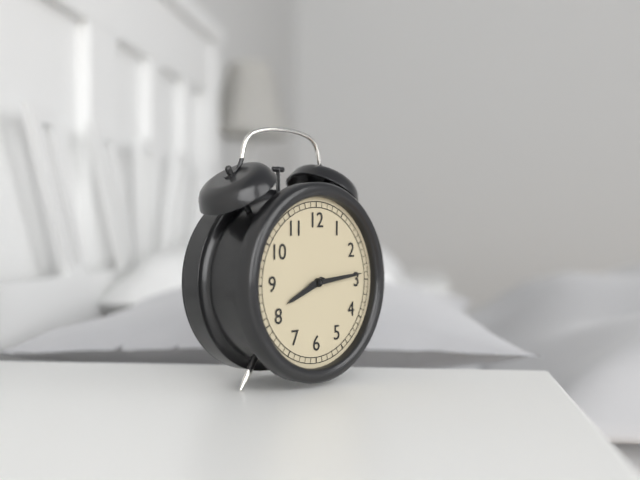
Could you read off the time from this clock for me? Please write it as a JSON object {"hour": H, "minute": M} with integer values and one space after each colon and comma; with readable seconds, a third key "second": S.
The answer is {"hour": 8, "minute": 14}
